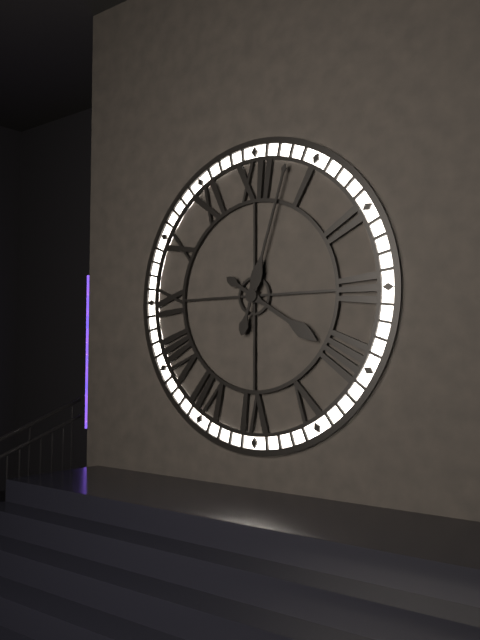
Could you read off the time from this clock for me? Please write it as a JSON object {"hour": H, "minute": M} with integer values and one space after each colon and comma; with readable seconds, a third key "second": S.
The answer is {"hour": 4, "minute": 3}
